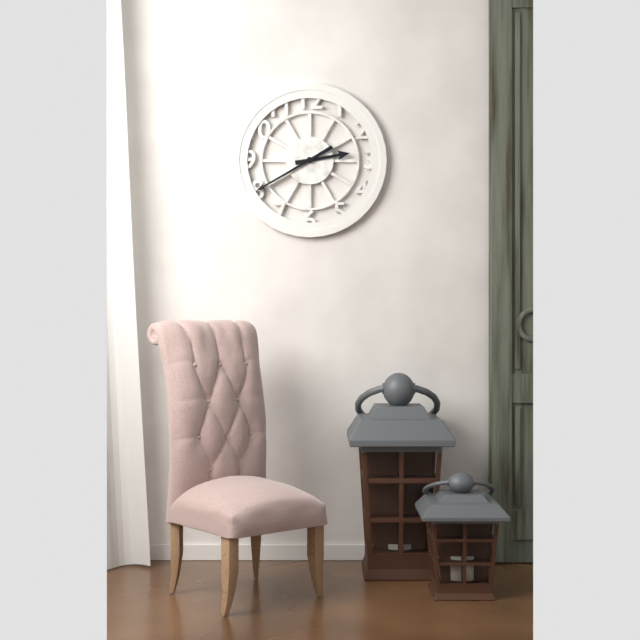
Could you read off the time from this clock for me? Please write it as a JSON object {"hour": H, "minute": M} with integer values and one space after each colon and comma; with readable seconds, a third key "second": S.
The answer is {"hour": 2, "minute": 40}
